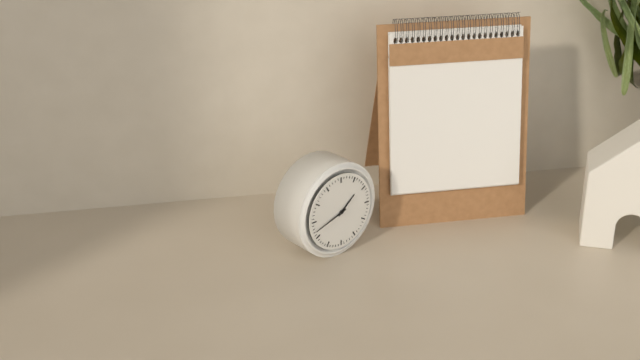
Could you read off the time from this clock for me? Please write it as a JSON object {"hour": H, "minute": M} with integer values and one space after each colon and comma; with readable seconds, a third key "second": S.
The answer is {"hour": 1, "minute": 42}
